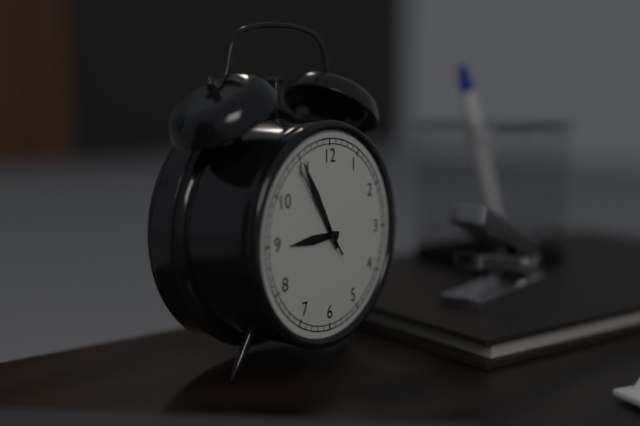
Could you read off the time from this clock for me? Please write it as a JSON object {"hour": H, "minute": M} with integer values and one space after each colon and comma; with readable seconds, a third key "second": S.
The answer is {"hour": 8, "minute": 55, "second": 54}
